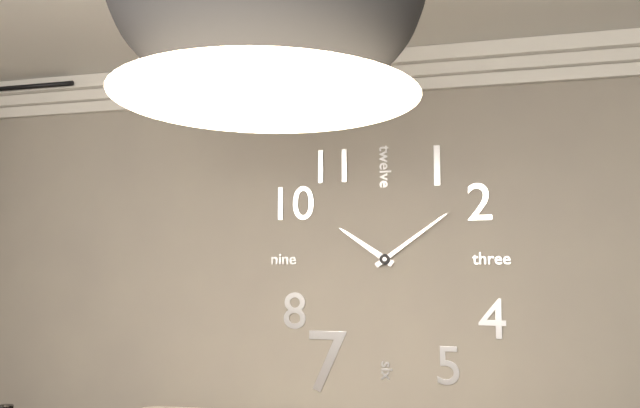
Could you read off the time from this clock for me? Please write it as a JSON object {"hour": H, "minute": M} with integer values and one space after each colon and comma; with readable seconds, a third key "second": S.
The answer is {"hour": 10, "minute": 9}
